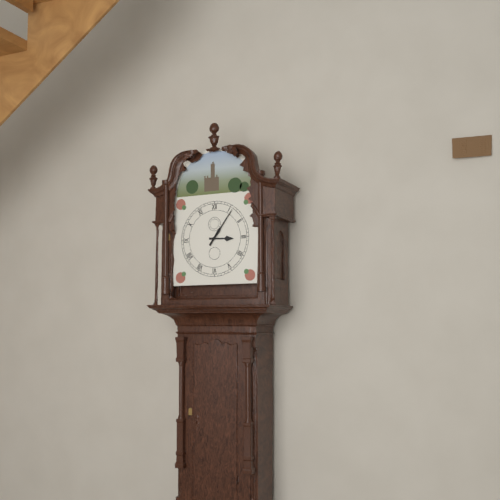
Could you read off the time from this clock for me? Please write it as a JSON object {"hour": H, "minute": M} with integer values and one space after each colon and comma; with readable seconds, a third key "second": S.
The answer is {"hour": 3, "minute": 6}
